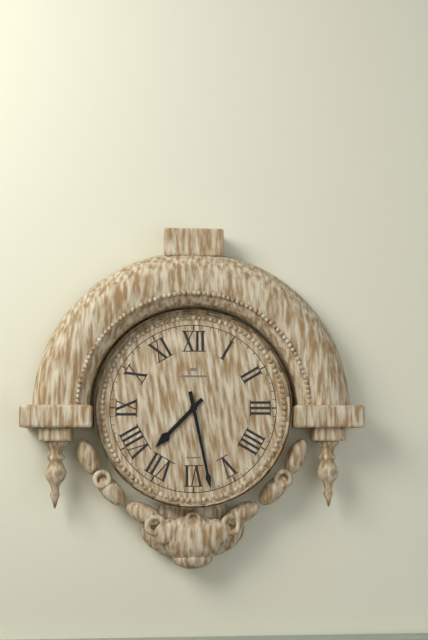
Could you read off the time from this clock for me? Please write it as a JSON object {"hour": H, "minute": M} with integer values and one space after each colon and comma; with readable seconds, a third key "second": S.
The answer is {"hour": 7, "minute": 28}
